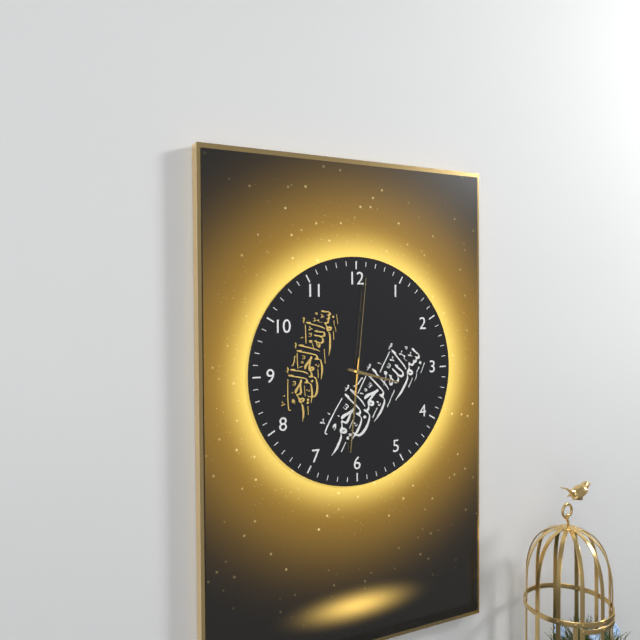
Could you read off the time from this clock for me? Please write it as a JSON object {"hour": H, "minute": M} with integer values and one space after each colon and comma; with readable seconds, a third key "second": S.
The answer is {"hour": 3, "minute": 31, "second": 1}
